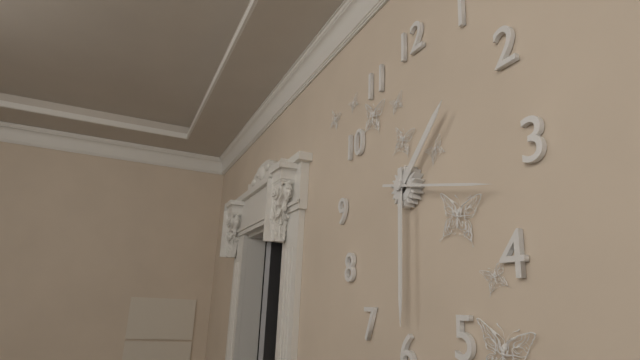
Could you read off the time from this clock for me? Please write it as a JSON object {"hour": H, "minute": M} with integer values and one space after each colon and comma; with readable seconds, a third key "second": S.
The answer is {"hour": 1, "minute": 30, "second": 17}
